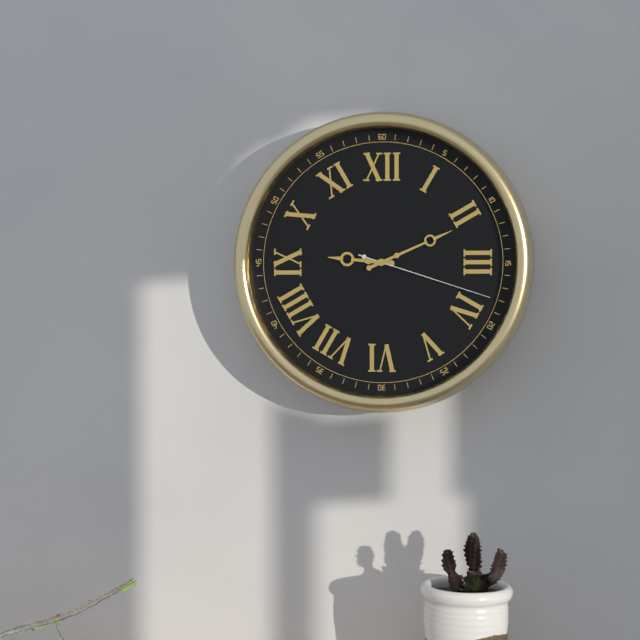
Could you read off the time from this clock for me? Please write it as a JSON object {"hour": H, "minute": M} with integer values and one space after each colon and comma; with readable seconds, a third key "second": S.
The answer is {"hour": 9, "minute": 11, "second": 18}
